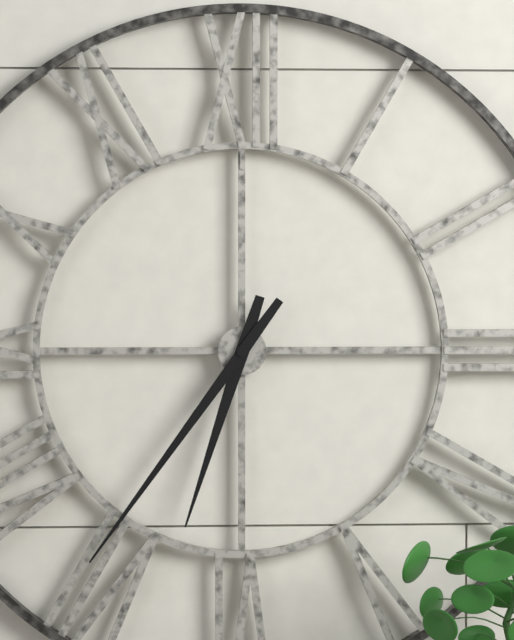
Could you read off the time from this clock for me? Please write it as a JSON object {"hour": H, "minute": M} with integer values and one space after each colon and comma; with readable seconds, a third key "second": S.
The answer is {"hour": 6, "minute": 36}
